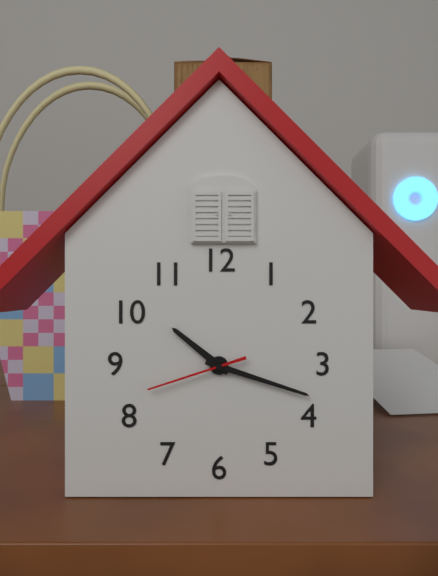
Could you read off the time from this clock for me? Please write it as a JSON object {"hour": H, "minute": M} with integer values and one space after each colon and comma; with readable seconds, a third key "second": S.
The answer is {"hour": 10, "minute": 18, "second": 42}
